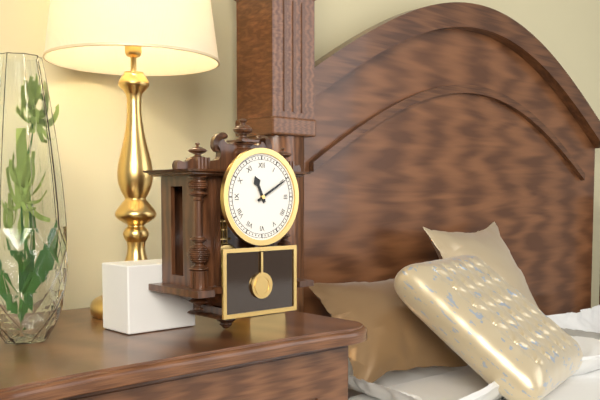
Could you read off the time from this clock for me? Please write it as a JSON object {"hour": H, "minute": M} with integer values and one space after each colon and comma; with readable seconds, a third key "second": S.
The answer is {"hour": 11, "minute": 10}
